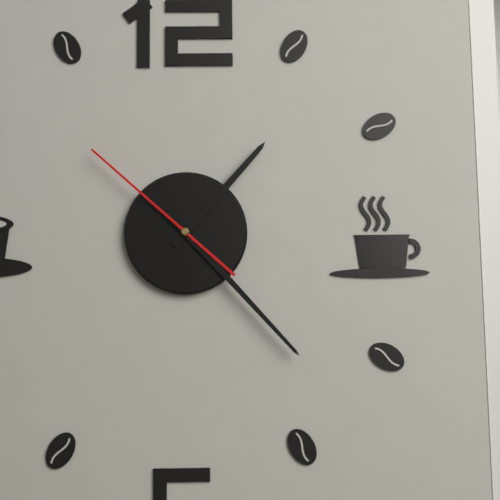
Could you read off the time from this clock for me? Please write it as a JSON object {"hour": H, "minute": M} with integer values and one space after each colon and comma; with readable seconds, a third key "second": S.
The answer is {"hour": 1, "minute": 23, "second": 52}
